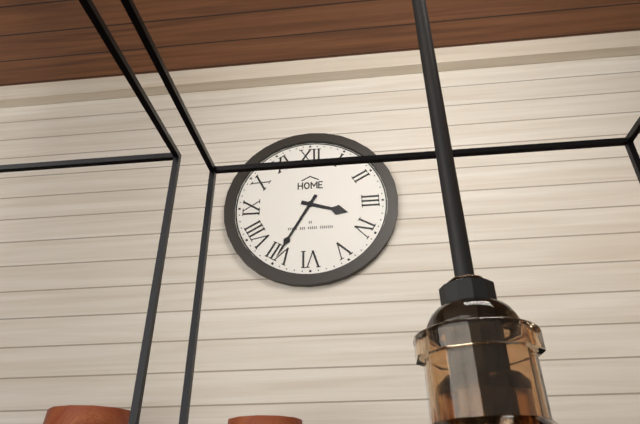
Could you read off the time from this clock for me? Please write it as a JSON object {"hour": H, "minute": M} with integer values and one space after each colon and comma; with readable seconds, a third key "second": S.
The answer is {"hour": 3, "minute": 35}
